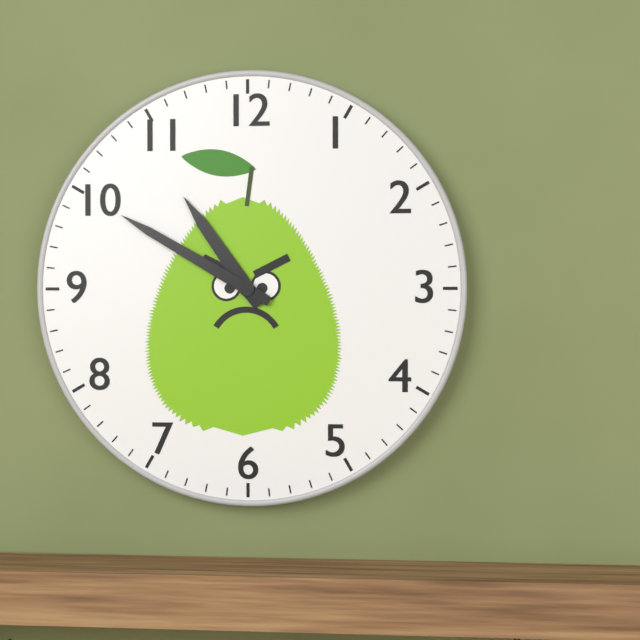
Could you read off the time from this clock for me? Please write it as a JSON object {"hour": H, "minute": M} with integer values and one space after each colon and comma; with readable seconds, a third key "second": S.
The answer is {"hour": 10, "minute": 50}
